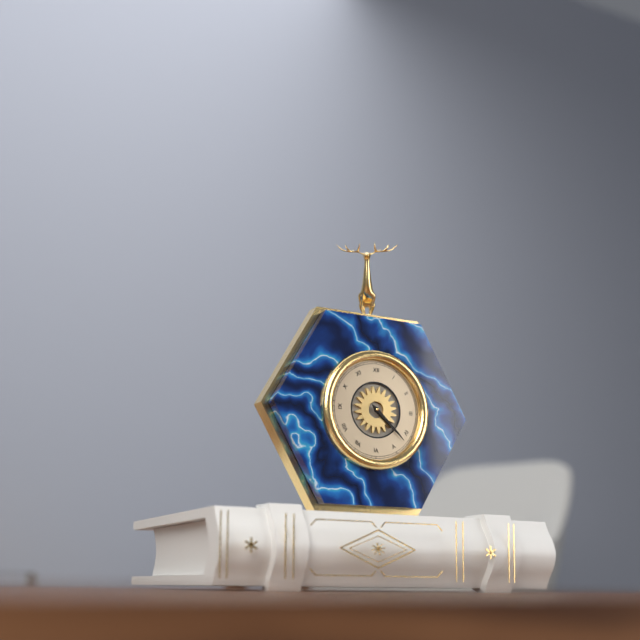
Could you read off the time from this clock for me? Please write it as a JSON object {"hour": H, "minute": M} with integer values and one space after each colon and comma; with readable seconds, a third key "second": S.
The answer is {"hour": 4, "minute": 22}
